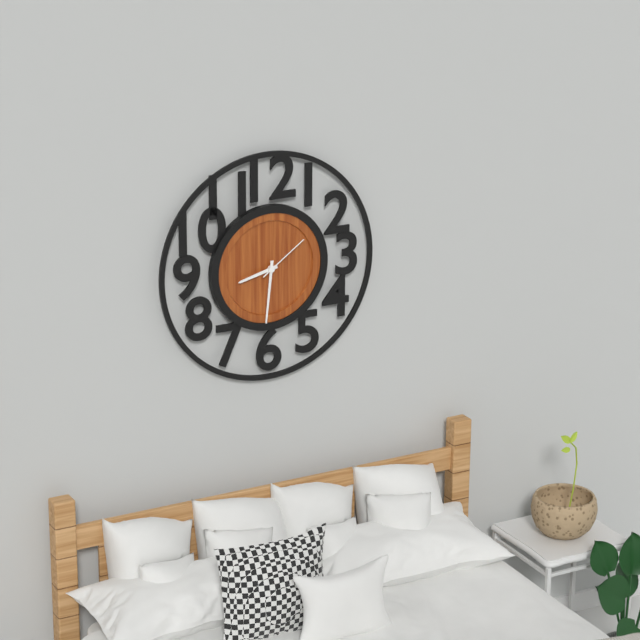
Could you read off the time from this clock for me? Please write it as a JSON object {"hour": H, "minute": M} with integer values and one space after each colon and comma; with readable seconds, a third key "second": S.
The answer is {"hour": 8, "minute": 31, "second": 9}
